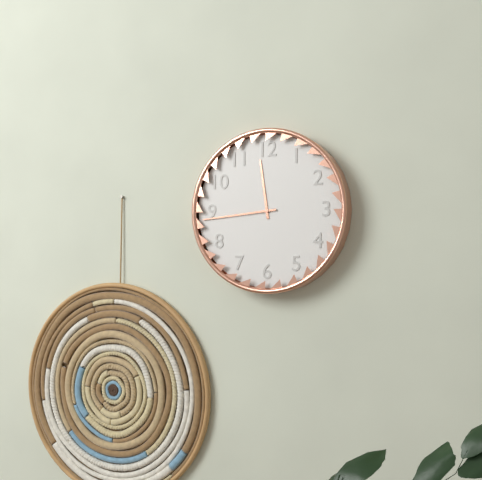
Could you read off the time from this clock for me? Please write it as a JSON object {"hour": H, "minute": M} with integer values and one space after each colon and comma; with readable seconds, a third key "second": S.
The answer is {"hour": 11, "minute": 44}
